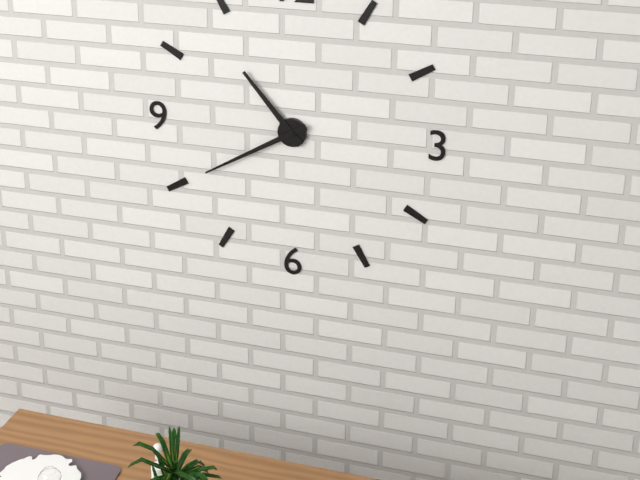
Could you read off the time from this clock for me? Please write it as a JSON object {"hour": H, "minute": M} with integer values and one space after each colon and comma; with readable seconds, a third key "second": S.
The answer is {"hour": 10, "minute": 40}
